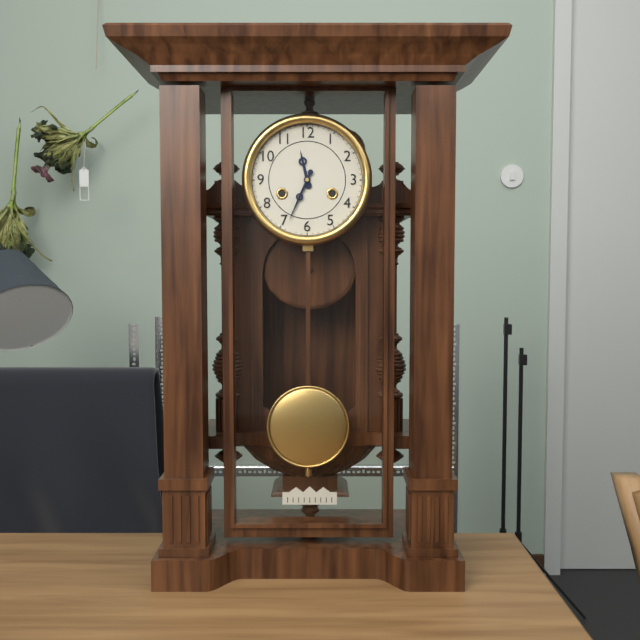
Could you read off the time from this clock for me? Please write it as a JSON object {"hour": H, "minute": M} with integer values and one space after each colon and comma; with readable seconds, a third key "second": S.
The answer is {"hour": 11, "minute": 34}
